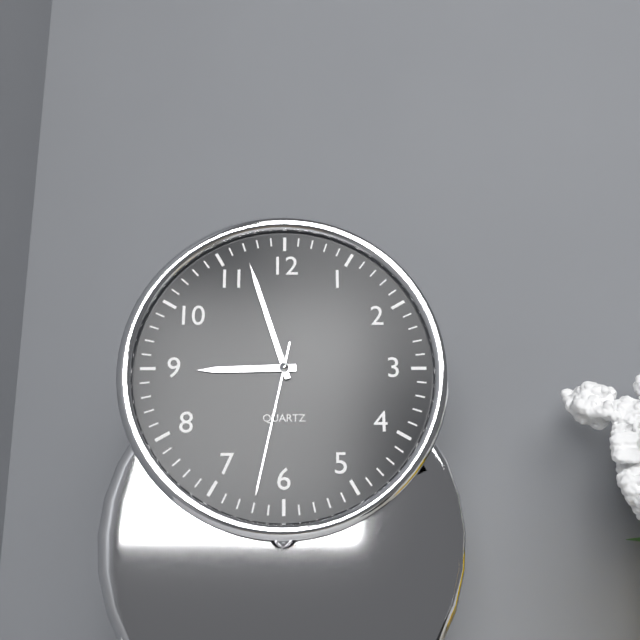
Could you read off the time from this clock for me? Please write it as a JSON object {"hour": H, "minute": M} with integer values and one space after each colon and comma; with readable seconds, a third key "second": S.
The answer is {"hour": 8, "minute": 57, "second": 32}
